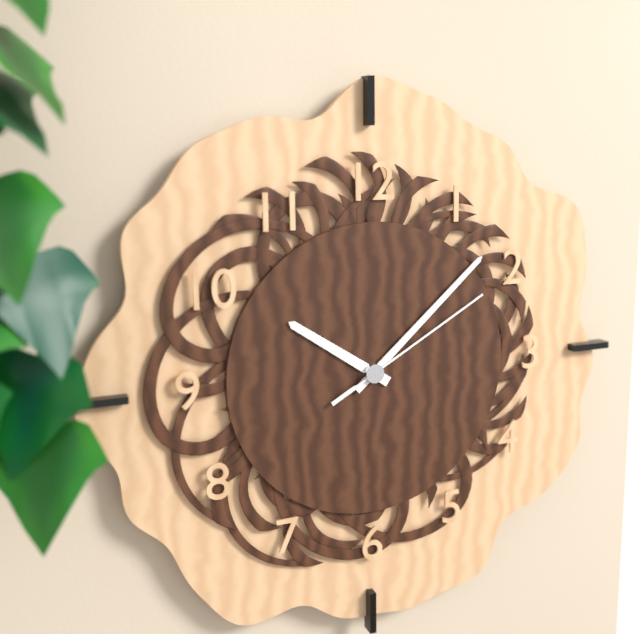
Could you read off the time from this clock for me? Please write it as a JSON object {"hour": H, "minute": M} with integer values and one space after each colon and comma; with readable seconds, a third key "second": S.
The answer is {"hour": 10, "minute": 8, "second": 10}
